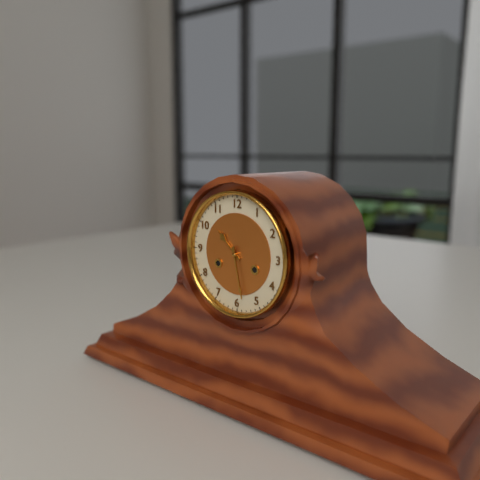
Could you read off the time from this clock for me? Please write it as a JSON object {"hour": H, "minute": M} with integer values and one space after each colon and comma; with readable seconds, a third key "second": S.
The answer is {"hour": 10, "minute": 28}
